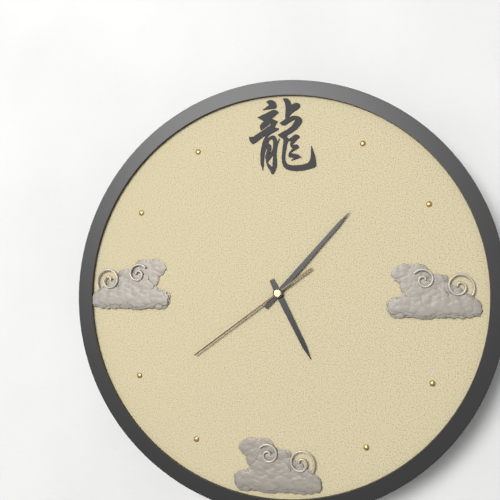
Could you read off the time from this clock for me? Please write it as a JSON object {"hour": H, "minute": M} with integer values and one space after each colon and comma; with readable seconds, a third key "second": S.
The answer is {"hour": 5, "minute": 7, "second": 39}
